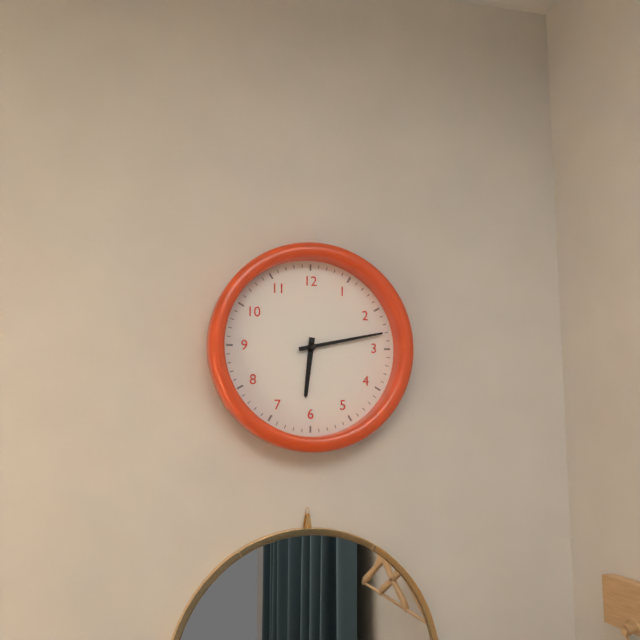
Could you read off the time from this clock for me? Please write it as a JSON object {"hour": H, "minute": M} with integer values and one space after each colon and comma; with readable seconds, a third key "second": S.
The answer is {"hour": 6, "minute": 13}
